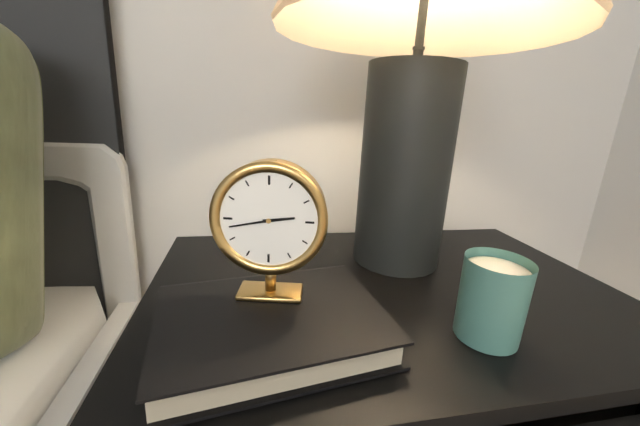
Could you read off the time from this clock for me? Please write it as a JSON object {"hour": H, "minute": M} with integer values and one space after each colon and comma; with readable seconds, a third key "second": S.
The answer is {"hour": 2, "minute": 43}
